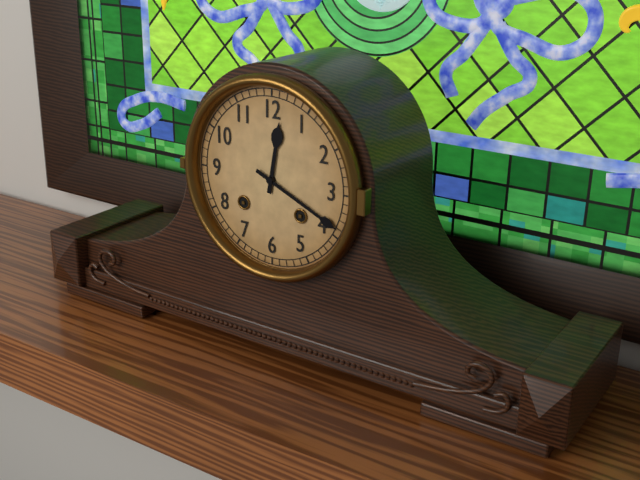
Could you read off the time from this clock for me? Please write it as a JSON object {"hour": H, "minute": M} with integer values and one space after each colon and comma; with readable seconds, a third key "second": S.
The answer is {"hour": 12, "minute": 19}
